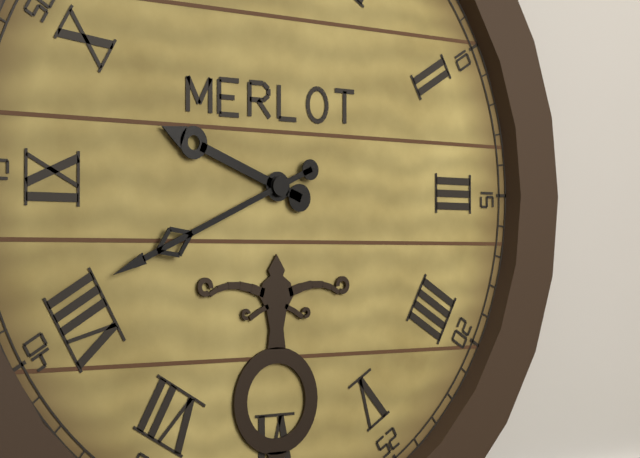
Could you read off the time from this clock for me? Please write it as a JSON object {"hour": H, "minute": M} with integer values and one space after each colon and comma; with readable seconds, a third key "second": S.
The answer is {"hour": 9, "minute": 41}
